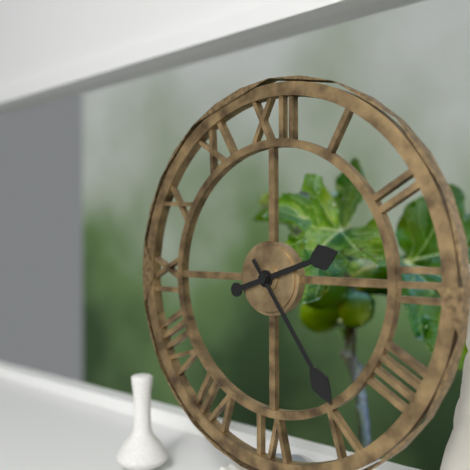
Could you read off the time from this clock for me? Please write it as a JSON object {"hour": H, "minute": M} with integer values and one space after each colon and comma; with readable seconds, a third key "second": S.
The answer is {"hour": 2, "minute": 24}
